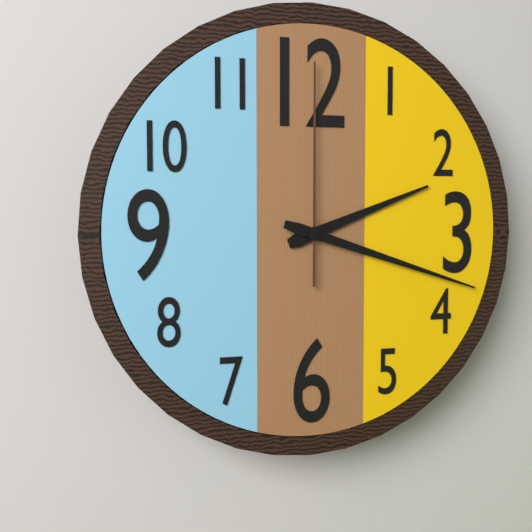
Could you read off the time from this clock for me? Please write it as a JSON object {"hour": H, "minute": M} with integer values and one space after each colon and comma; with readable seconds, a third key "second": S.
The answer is {"hour": 2, "minute": 18, "second": 0}
